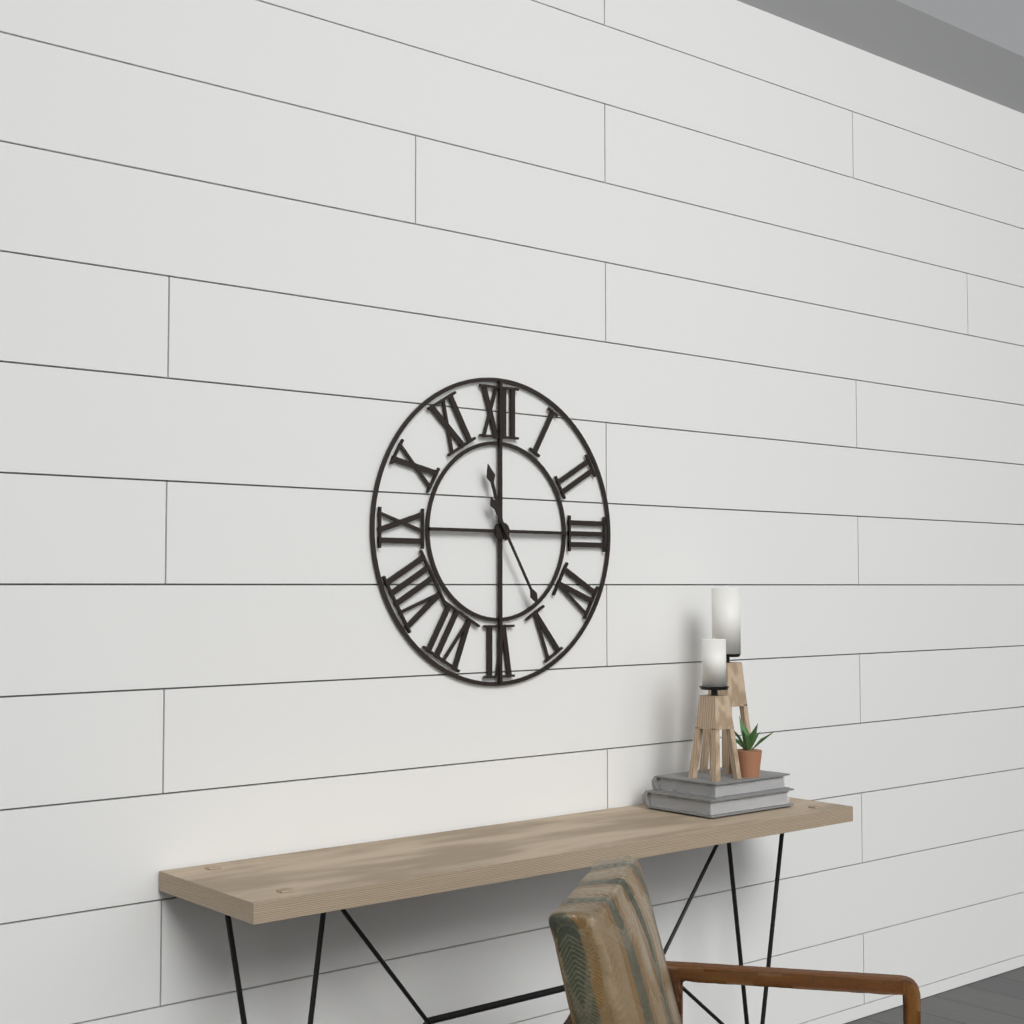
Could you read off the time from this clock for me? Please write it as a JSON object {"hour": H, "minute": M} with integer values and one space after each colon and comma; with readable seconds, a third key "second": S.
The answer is {"hour": 11, "minute": 25}
